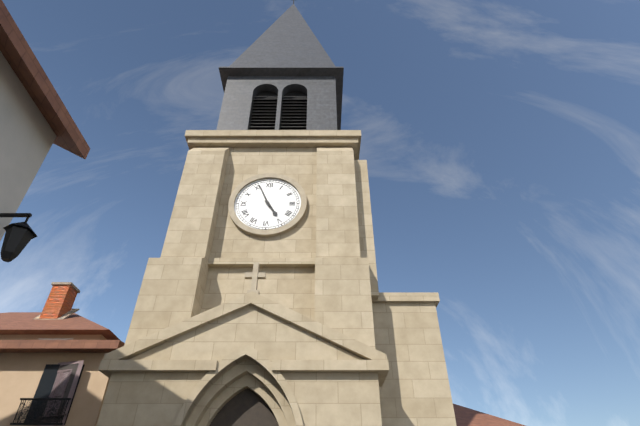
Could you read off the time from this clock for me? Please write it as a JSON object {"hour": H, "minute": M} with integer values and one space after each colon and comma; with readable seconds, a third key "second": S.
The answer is {"hour": 4, "minute": 56}
